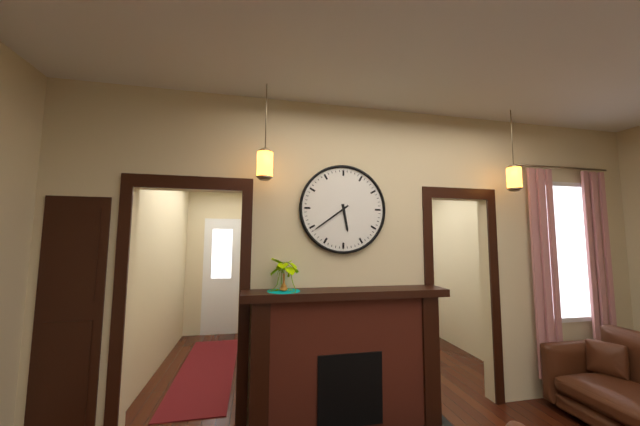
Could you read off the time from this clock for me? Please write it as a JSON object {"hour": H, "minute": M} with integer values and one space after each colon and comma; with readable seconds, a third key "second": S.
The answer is {"hour": 5, "minute": 39}
